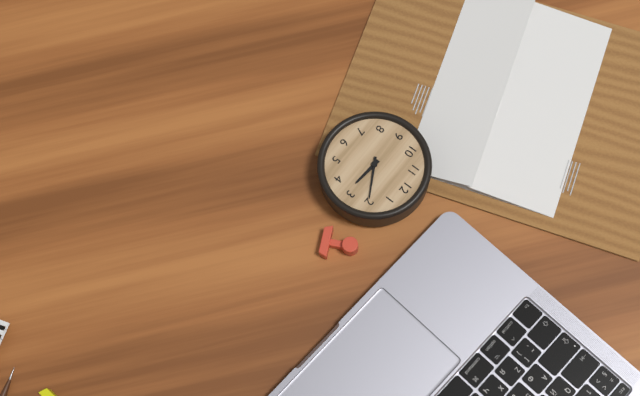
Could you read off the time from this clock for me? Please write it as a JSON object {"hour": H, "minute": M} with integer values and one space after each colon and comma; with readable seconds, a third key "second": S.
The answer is {"hour": 3, "minute": 10}
